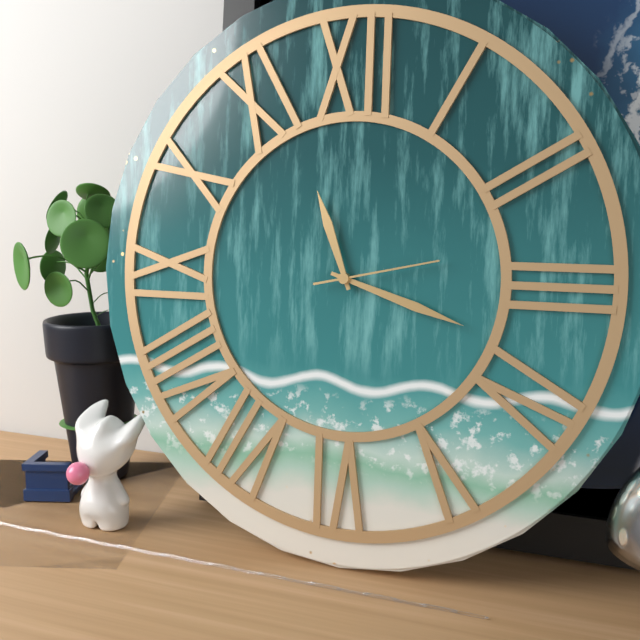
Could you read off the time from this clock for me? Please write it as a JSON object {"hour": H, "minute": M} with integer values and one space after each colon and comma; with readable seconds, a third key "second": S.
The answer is {"hour": 11, "minute": 18, "second": 13}
